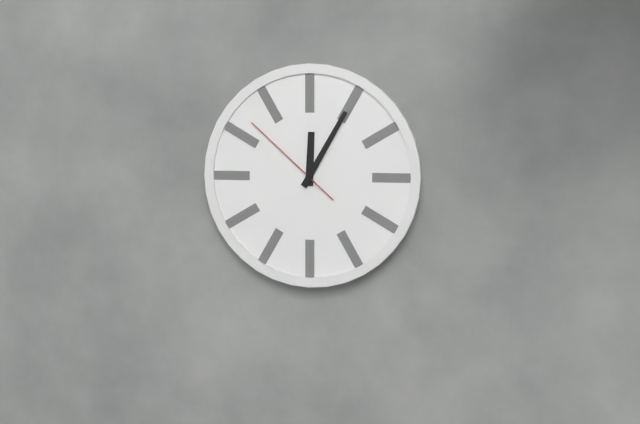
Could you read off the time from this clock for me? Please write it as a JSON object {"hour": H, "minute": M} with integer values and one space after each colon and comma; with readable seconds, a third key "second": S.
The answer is {"hour": 12, "minute": 5, "second": 52}
